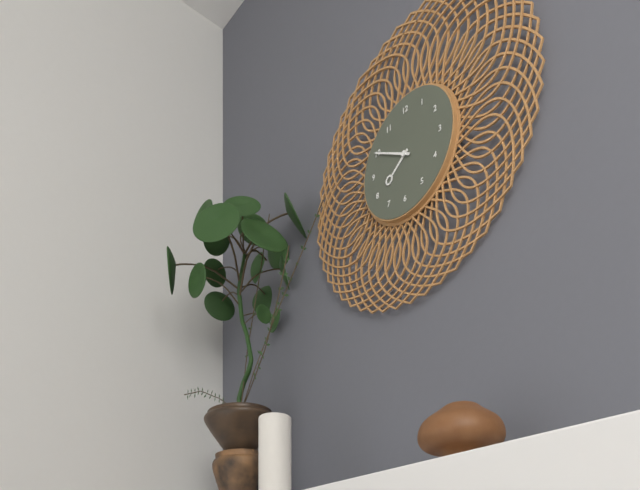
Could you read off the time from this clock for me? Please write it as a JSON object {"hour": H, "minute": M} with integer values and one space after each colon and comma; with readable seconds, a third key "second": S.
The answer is {"hour": 7, "minute": 50}
